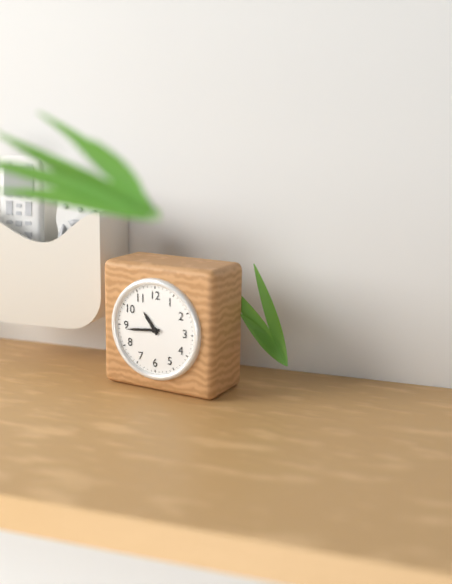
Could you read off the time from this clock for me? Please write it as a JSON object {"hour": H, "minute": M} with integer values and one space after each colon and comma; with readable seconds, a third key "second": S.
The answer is {"hour": 10, "minute": 44}
